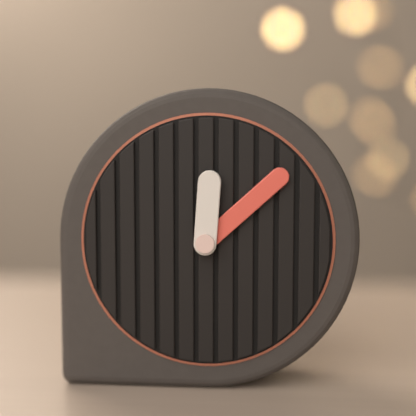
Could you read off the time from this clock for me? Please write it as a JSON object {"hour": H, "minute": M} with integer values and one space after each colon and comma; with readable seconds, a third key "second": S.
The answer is {"hour": 12, "minute": 8}
